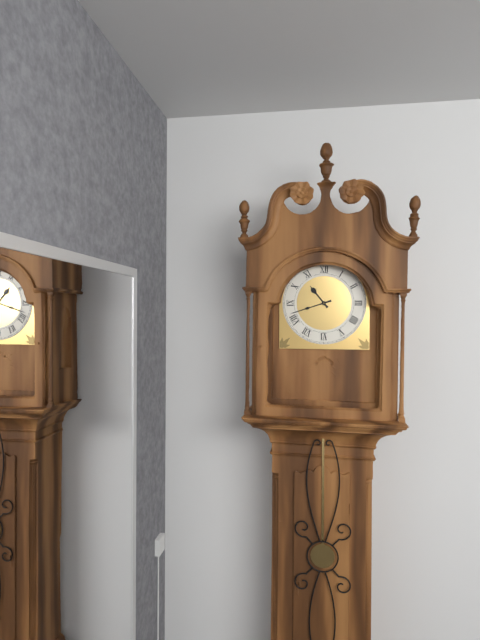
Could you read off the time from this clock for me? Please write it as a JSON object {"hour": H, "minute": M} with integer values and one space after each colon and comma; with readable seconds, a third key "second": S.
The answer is {"hour": 10, "minute": 42}
